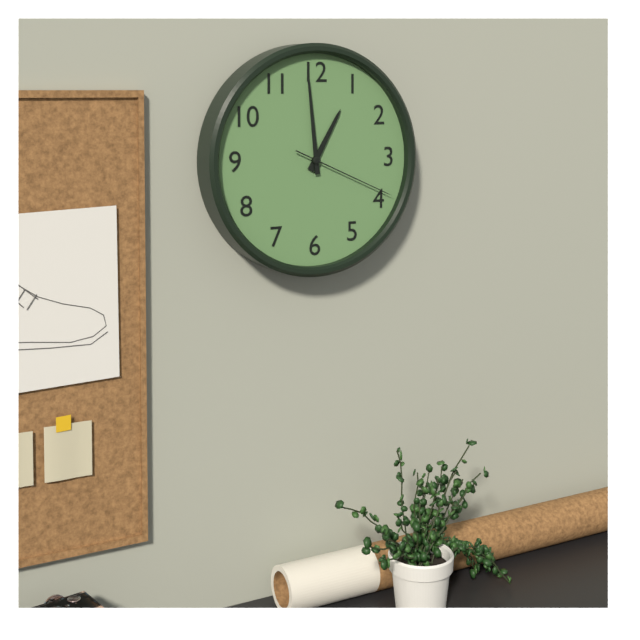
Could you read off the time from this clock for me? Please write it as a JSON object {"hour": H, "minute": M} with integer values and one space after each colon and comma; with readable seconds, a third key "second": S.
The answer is {"hour": 12, "minute": 59, "second": 19}
